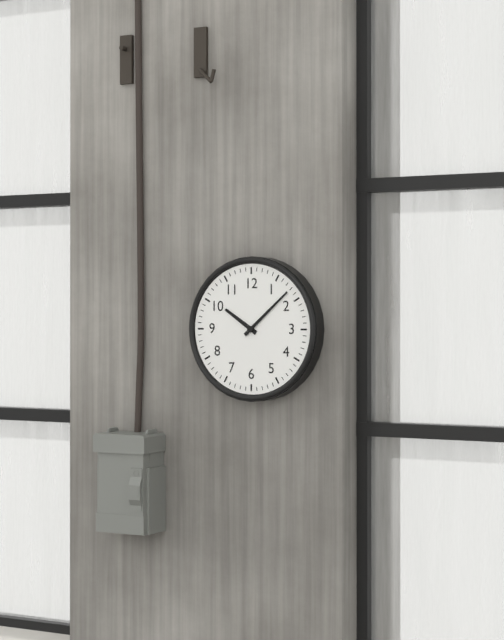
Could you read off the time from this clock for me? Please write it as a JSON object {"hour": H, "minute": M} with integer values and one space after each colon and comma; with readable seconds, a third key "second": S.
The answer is {"hour": 10, "minute": 8}
